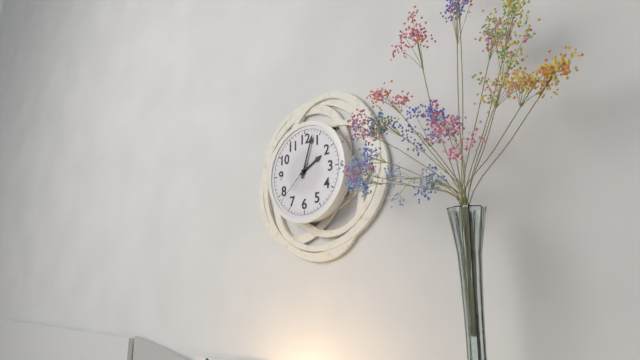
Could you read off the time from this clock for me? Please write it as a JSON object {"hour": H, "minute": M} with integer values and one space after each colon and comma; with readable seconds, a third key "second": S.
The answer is {"hour": 2, "minute": 3, "second": 38}
